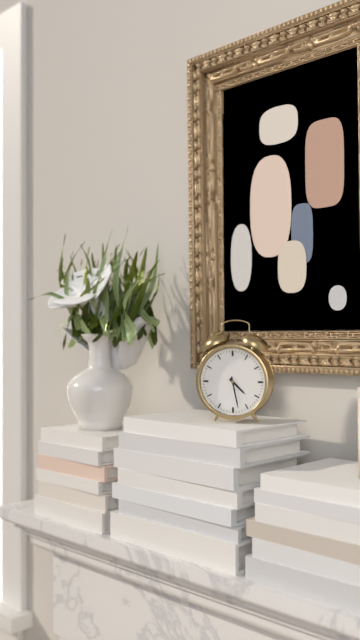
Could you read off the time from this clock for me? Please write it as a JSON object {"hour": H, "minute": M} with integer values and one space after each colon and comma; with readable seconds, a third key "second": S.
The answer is {"hour": 4, "minute": 28}
